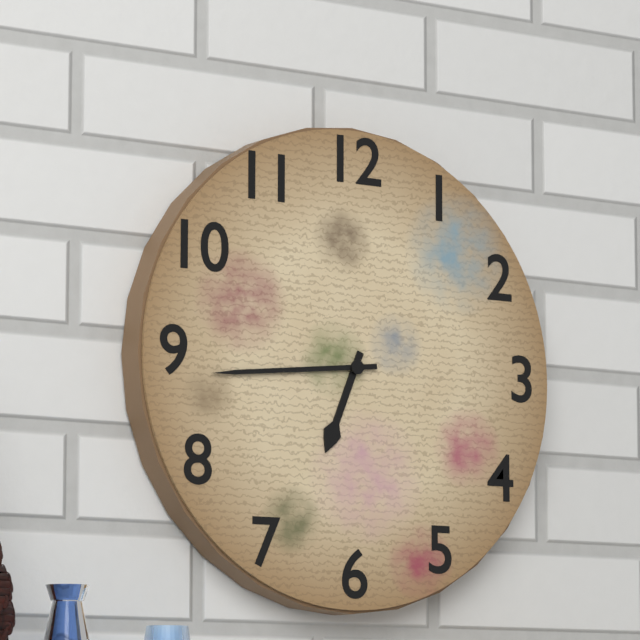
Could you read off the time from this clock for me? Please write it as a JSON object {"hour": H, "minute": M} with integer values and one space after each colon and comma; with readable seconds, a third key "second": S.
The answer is {"hour": 6, "minute": 44}
